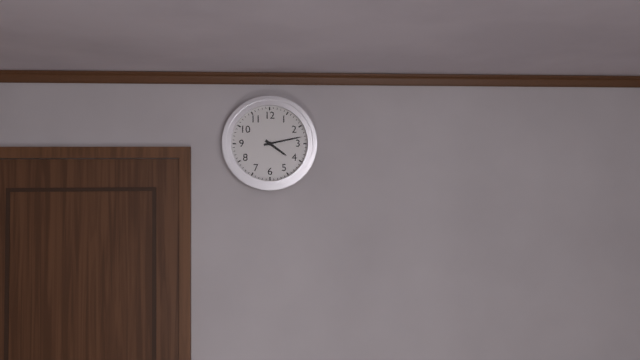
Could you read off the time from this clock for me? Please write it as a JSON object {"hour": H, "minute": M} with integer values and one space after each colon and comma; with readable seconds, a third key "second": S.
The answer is {"hour": 4, "minute": 13}
